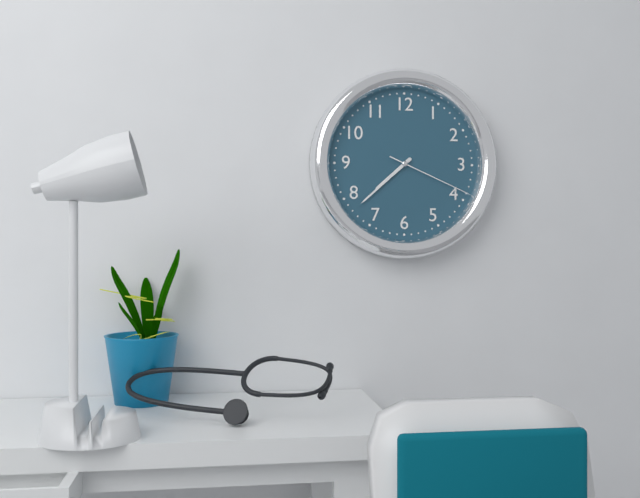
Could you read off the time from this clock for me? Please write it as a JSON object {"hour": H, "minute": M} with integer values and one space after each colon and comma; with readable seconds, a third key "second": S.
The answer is {"hour": 7, "minute": 38, "second": 19}
